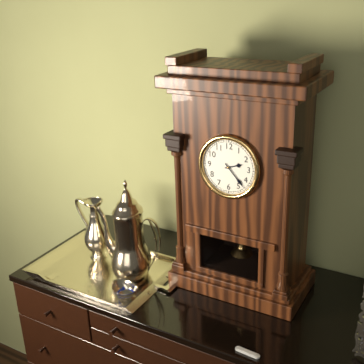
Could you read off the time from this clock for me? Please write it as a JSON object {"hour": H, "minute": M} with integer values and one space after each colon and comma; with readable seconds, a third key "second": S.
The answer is {"hour": 2, "minute": 23}
